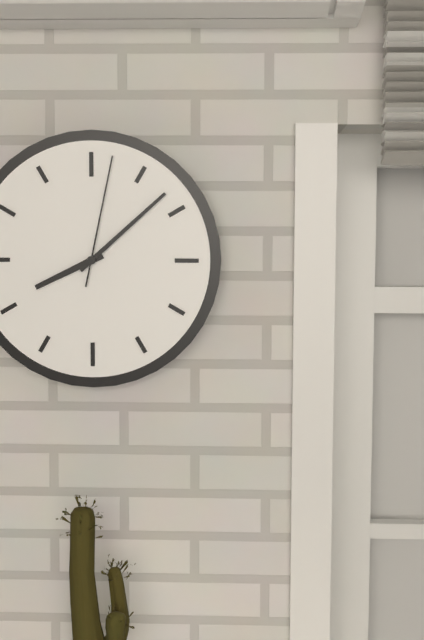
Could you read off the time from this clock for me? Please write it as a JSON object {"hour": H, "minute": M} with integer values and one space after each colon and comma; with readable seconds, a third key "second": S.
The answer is {"hour": 8, "minute": 8, "second": 2}
